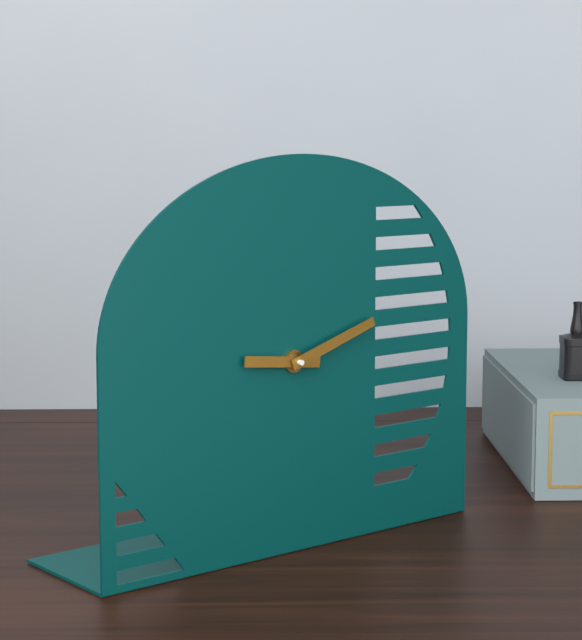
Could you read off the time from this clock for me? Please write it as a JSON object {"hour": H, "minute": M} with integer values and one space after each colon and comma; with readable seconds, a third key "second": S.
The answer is {"hour": 9, "minute": 12}
